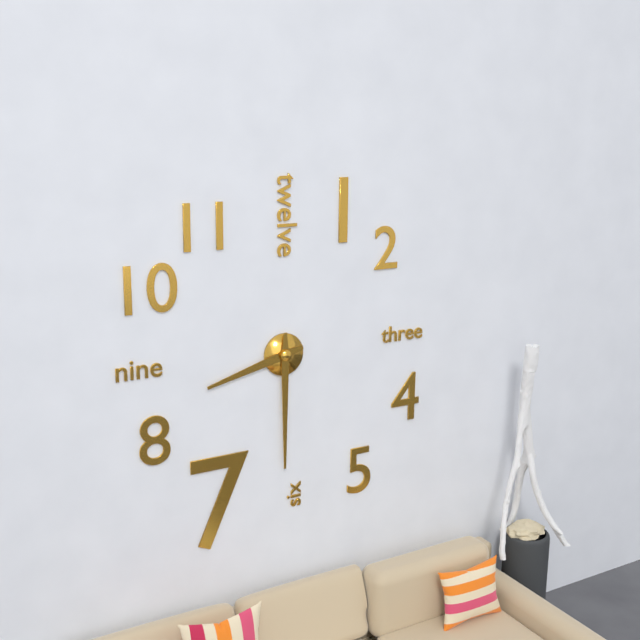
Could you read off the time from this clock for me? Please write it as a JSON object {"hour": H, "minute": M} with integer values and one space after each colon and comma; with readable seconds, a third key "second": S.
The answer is {"hour": 8, "minute": 30}
